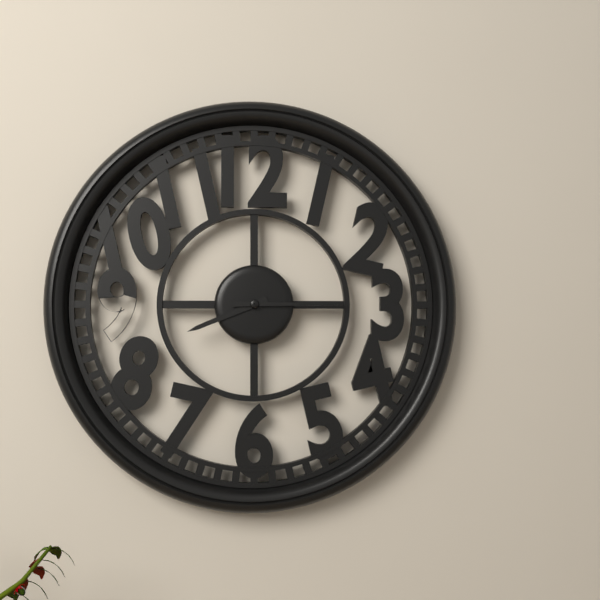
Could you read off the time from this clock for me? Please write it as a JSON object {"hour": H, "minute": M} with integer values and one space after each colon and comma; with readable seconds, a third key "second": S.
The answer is {"hour": 8, "minute": 15}
